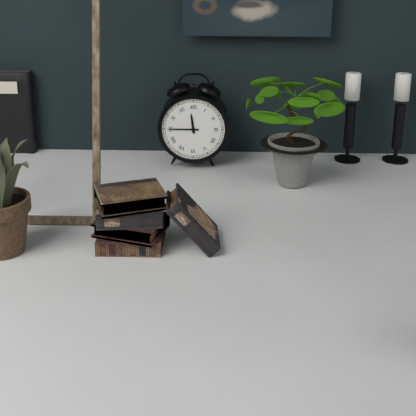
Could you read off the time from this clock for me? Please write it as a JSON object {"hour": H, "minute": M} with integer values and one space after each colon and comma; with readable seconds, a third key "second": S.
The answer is {"hour": 11, "minute": 45}
